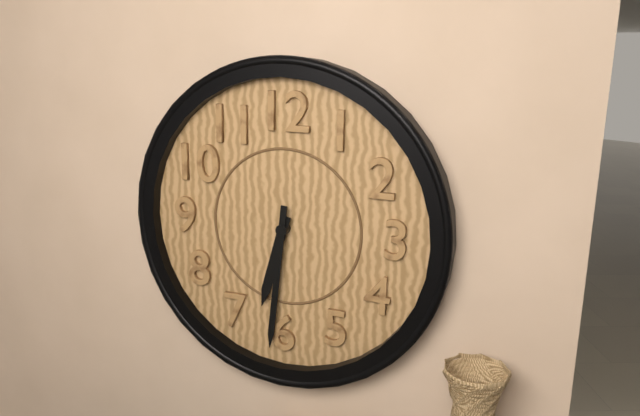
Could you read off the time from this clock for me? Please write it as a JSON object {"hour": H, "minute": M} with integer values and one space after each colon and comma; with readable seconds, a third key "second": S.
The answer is {"hour": 6, "minute": 31}
